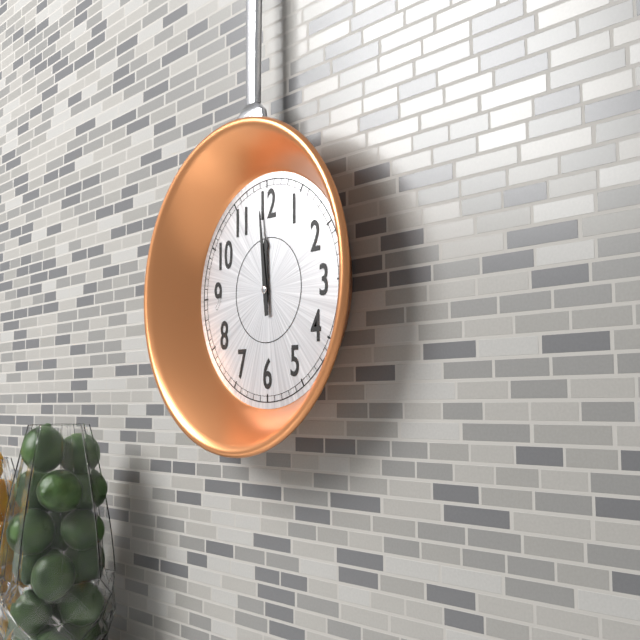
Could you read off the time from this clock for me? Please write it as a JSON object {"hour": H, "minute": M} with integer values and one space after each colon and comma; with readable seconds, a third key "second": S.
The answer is {"hour": 11, "minute": 59}
